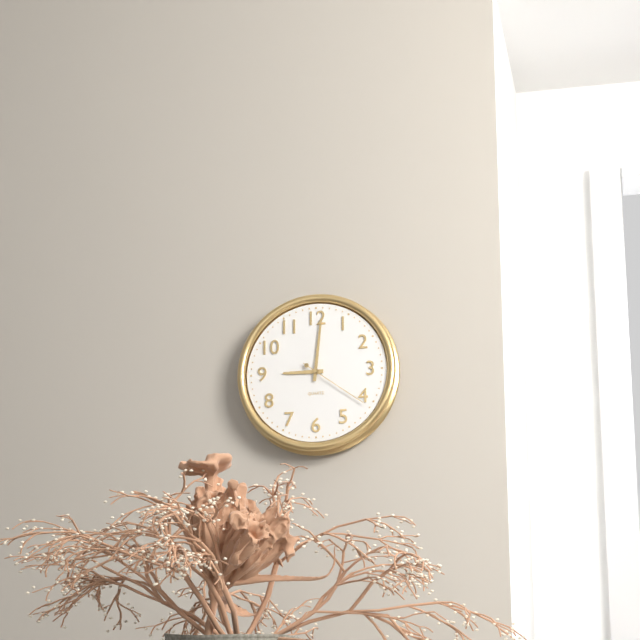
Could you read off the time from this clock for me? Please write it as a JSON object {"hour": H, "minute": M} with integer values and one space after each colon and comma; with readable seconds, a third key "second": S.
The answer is {"hour": 9, "minute": 1, "second": 21}
